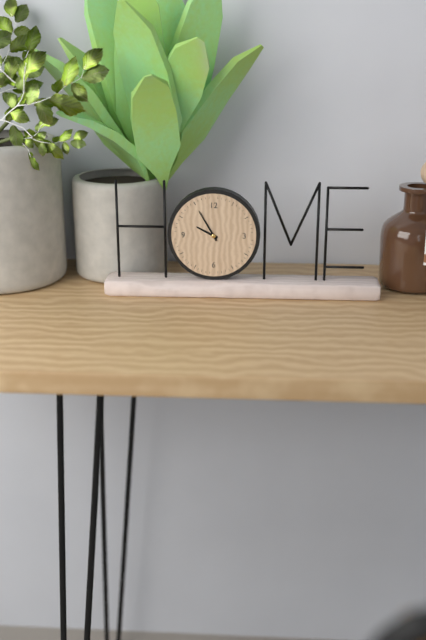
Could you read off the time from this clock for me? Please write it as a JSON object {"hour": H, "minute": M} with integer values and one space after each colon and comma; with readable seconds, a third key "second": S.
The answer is {"hour": 9, "minute": 55}
